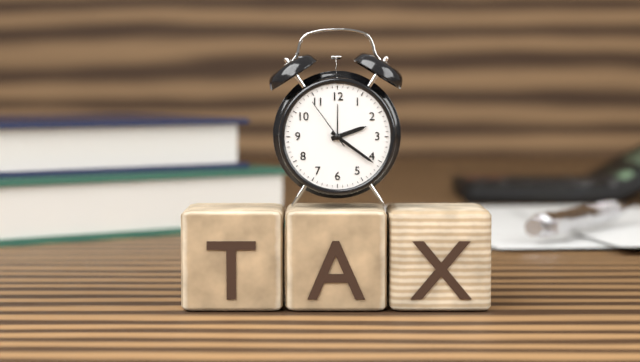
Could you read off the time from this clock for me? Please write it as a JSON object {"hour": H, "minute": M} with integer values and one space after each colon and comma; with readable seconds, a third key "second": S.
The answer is {"hour": 2, "minute": 21, "second": 54}
